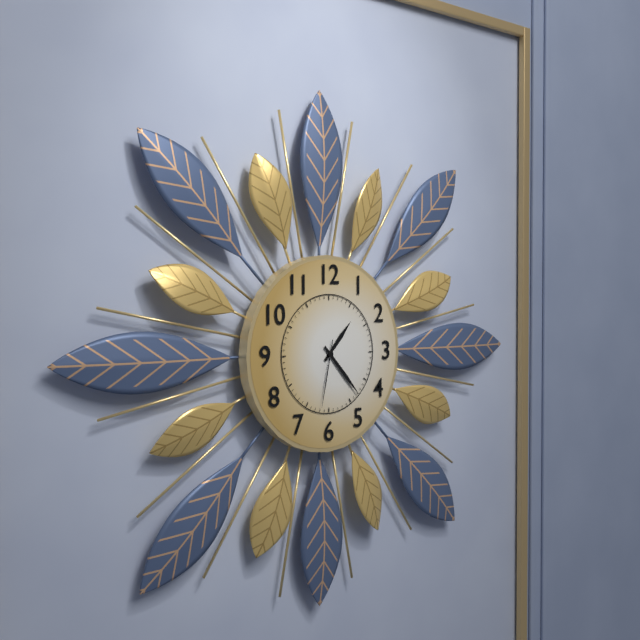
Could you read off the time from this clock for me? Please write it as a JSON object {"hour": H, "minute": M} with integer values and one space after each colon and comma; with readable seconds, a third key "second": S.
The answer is {"hour": 1, "minute": 23, "second": 32}
